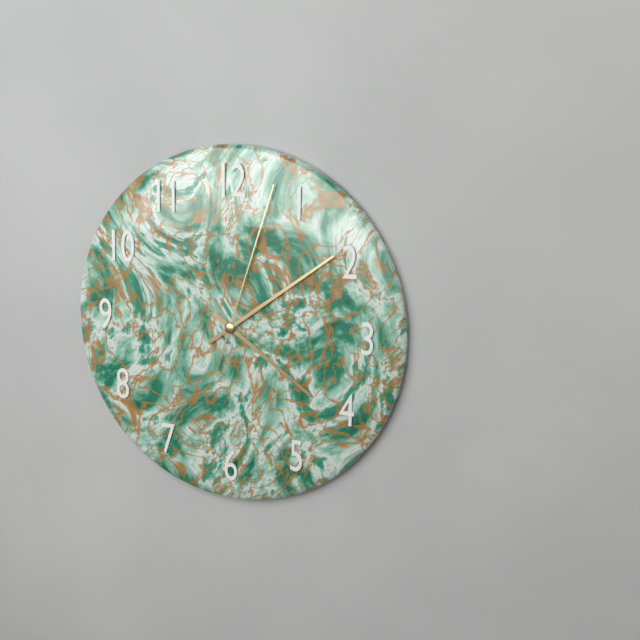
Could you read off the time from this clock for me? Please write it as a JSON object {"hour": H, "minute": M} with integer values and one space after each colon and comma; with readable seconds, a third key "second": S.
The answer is {"hour": 4, "minute": 9, "second": 3}
